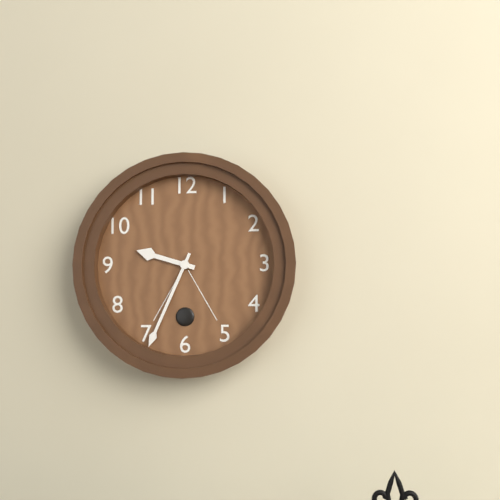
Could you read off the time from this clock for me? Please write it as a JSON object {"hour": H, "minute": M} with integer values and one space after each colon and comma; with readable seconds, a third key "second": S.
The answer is {"hour": 9, "minute": 34}
